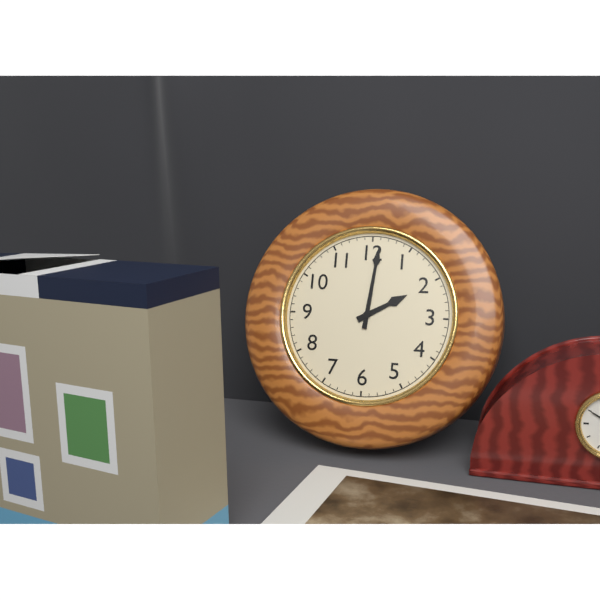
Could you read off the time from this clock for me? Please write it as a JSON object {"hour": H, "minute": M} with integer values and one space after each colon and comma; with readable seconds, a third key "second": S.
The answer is {"hour": 2, "minute": 1}
